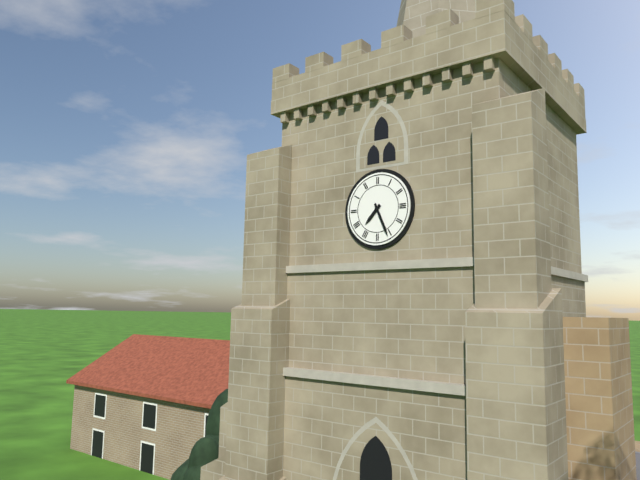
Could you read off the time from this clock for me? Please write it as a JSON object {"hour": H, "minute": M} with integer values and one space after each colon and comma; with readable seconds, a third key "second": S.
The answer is {"hour": 7, "minute": 26}
